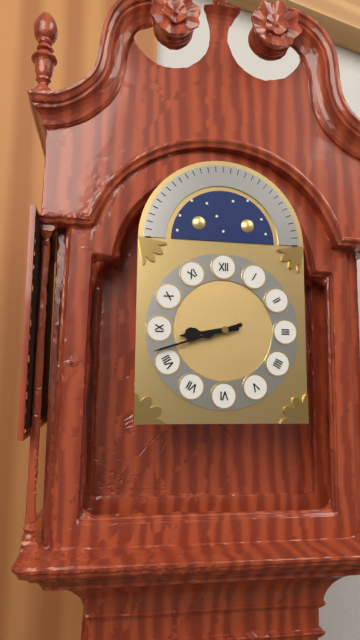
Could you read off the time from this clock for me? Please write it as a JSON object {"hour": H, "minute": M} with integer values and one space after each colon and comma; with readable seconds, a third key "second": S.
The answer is {"hour": 8, "minute": 42}
